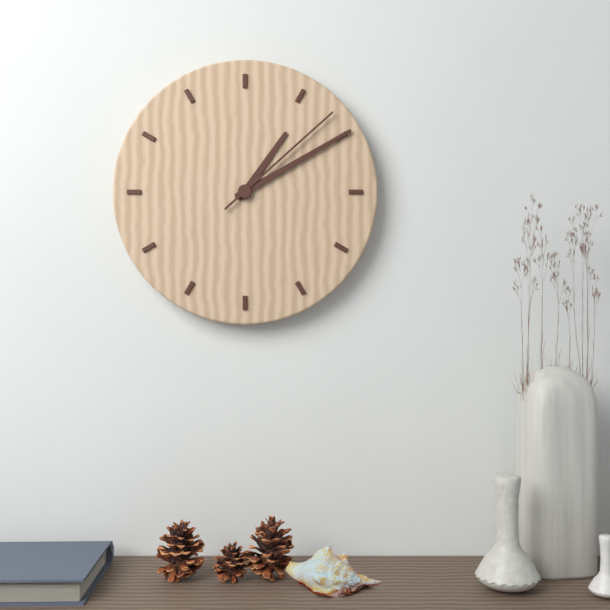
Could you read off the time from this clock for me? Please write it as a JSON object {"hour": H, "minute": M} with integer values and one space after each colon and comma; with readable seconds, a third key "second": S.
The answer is {"hour": 1, "minute": 10, "second": 8}
